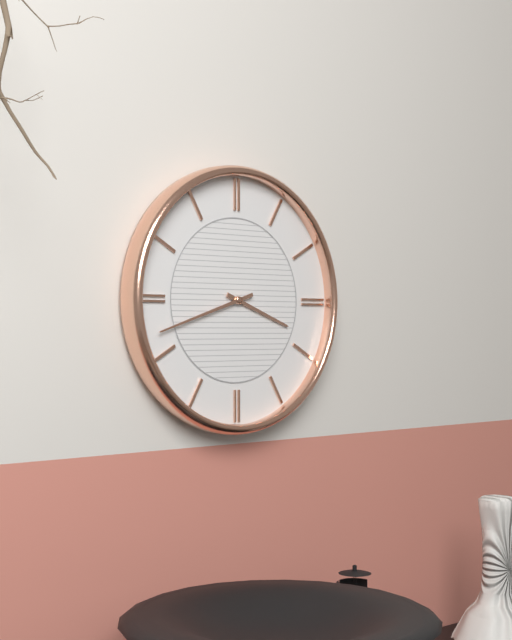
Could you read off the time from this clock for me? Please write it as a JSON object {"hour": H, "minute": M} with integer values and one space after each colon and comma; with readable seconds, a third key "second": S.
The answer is {"hour": 3, "minute": 42}
